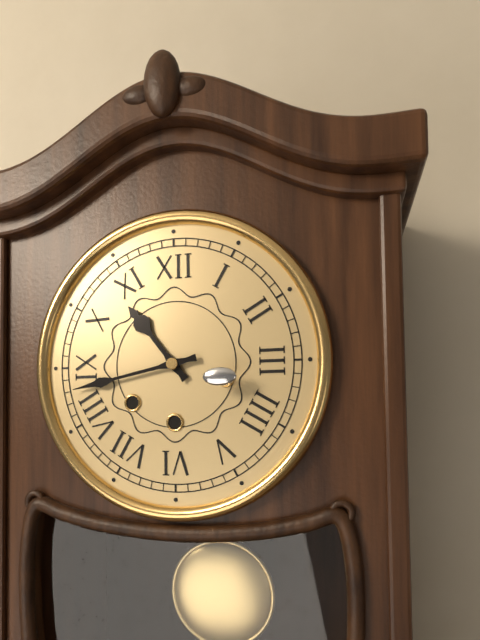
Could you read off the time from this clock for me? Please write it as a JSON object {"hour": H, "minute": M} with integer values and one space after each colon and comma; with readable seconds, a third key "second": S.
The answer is {"hour": 10, "minute": 43}
